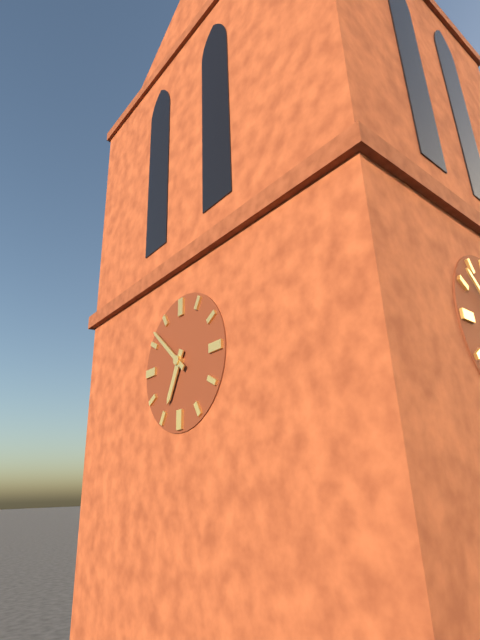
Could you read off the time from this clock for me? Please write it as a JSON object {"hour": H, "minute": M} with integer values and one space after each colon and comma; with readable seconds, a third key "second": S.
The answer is {"hour": 6, "minute": 52}
